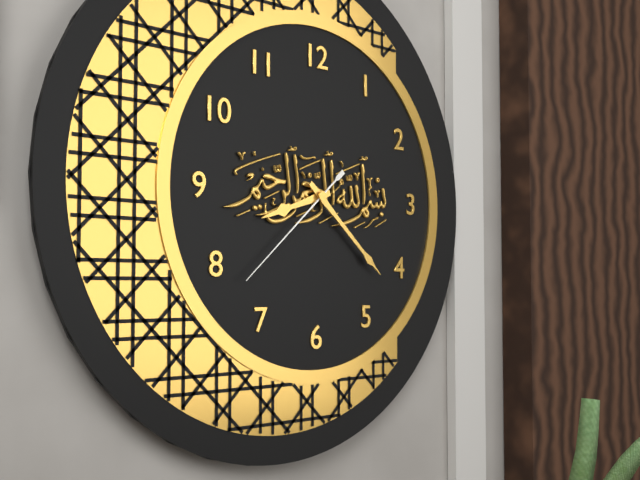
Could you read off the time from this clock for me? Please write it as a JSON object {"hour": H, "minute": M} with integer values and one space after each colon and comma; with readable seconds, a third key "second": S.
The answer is {"hour": 8, "minute": 22, "second": 38}
